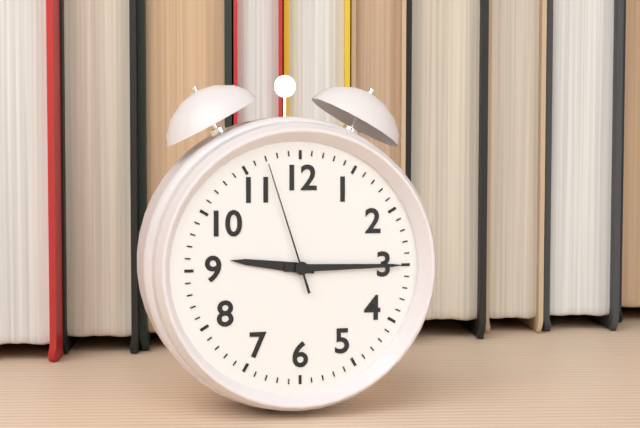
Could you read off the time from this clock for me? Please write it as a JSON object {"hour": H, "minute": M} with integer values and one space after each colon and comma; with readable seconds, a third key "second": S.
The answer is {"hour": 9, "minute": 15, "second": 57}
